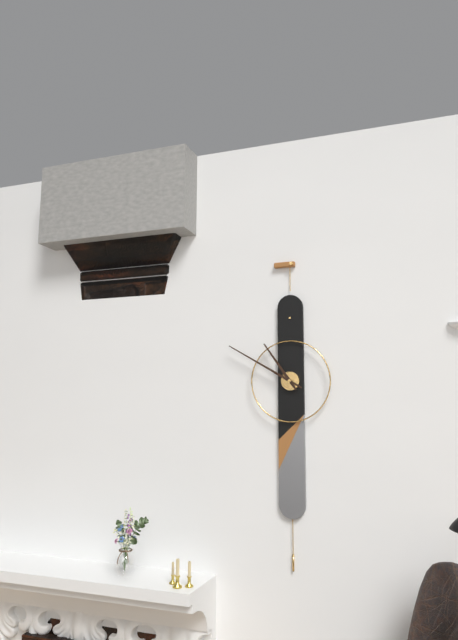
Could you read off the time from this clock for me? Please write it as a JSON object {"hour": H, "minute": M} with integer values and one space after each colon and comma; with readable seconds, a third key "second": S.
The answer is {"hour": 10, "minute": 50}
